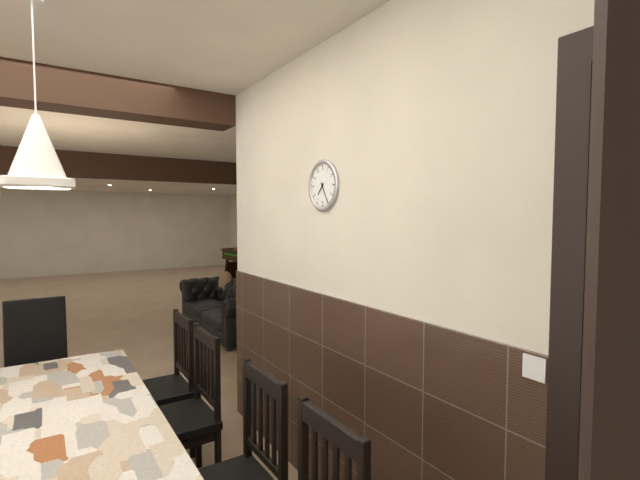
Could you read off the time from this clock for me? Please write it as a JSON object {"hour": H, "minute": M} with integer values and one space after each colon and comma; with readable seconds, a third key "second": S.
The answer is {"hour": 7, "minute": 25}
